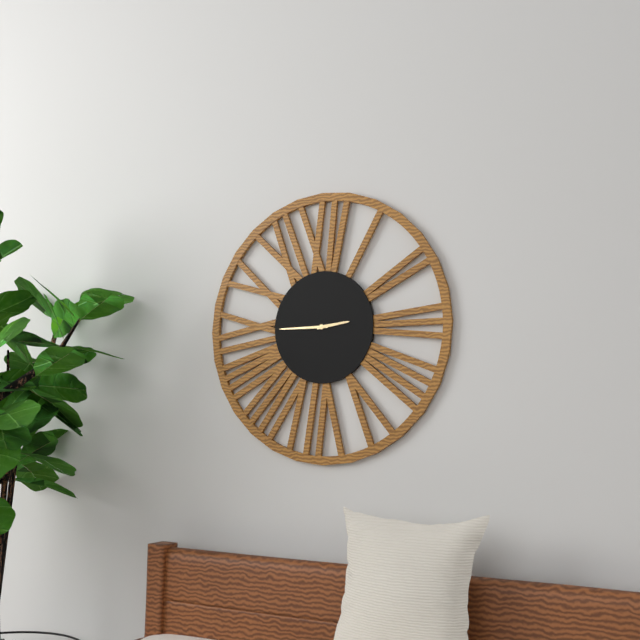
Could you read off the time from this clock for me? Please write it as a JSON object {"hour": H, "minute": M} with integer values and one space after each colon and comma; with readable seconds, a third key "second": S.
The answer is {"hour": 2, "minute": 45}
